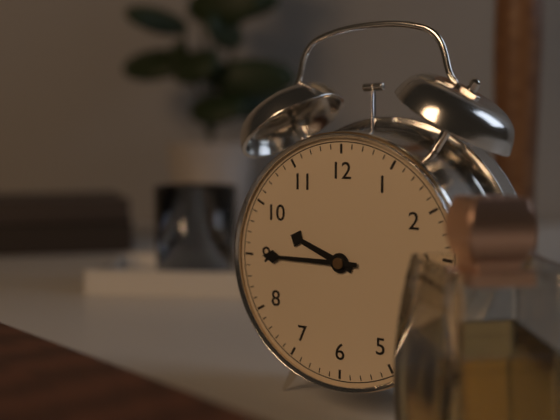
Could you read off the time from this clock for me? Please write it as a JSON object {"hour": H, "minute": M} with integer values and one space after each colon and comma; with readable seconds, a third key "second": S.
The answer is {"hour": 9, "minute": 45}
